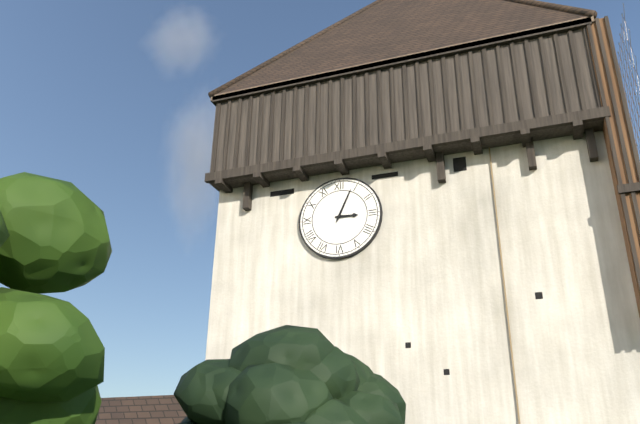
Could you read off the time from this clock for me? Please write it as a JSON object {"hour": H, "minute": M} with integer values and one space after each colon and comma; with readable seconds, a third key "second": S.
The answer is {"hour": 3, "minute": 4}
